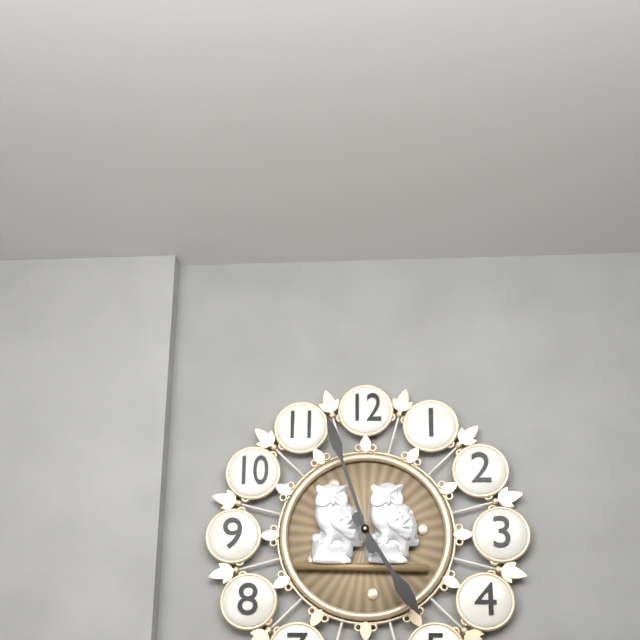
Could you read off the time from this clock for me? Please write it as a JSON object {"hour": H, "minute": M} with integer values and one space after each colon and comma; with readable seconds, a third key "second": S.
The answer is {"hour": 4, "minute": 57}
